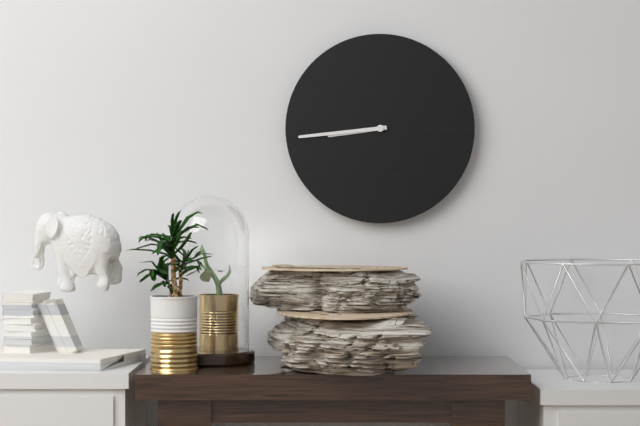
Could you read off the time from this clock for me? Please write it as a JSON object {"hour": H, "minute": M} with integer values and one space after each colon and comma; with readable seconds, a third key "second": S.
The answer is {"hour": 8, "minute": 44}
